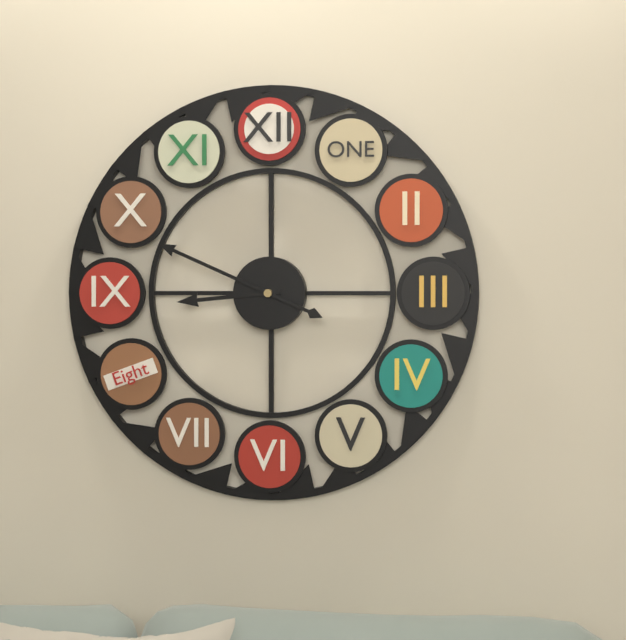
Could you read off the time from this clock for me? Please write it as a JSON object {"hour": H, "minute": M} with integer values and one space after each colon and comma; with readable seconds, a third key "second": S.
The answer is {"hour": 8, "minute": 49}
